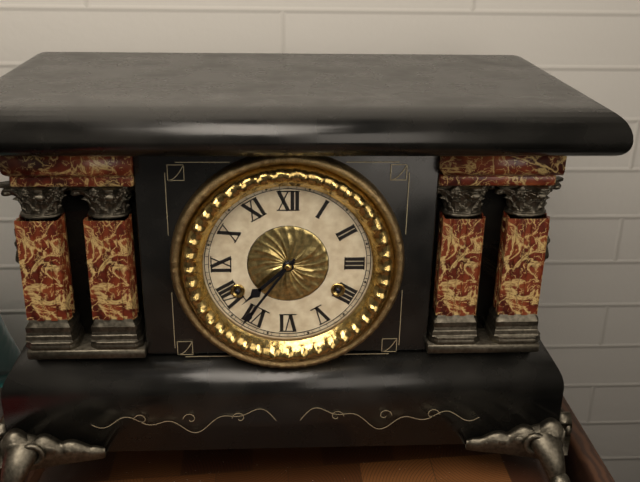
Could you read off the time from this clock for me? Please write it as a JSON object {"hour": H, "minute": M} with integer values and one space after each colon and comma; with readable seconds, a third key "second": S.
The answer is {"hour": 7, "minute": 36}
